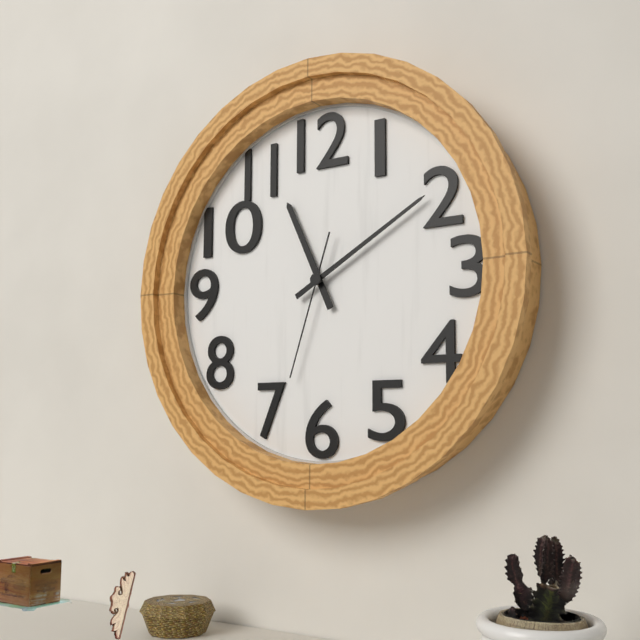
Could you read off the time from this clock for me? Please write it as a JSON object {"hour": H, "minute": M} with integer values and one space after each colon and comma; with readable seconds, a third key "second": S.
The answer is {"hour": 11, "minute": 10, "second": 33}
